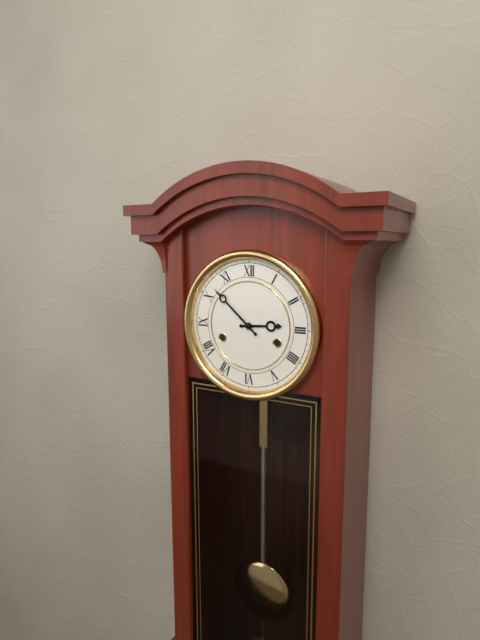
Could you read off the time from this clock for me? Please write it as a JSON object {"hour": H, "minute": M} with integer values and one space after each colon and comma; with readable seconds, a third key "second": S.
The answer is {"hour": 2, "minute": 52}
